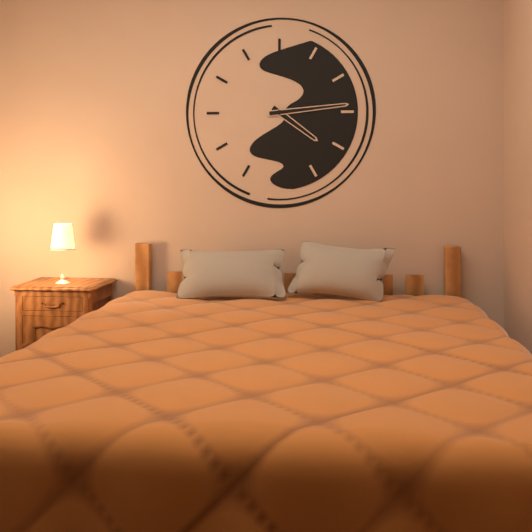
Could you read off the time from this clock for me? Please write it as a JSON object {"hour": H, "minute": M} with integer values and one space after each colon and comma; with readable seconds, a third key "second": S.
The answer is {"hour": 4, "minute": 14}
